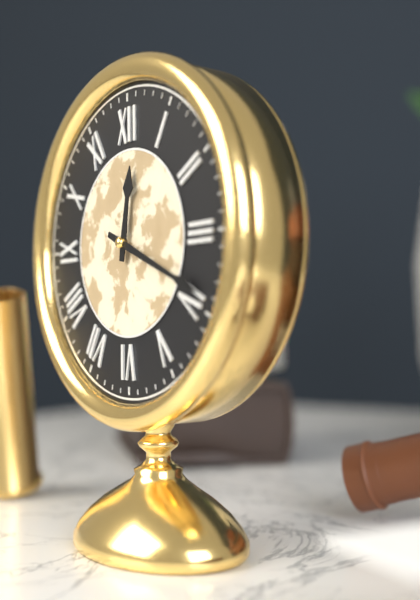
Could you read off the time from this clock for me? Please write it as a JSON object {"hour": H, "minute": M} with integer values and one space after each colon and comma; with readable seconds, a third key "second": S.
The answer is {"hour": 12, "minute": 19}
